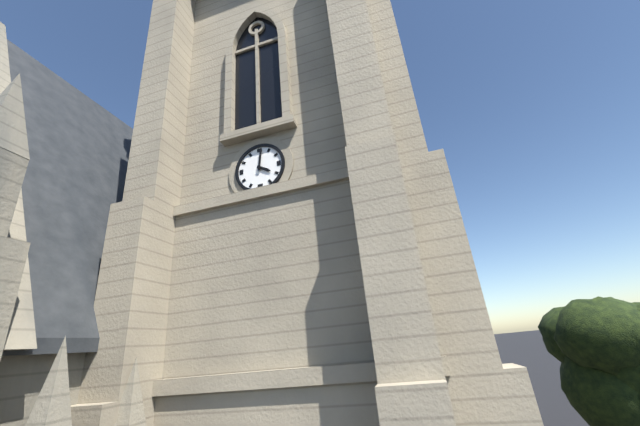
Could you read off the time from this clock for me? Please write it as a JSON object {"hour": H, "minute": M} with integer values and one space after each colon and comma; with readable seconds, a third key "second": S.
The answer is {"hour": 4, "minute": 1}
